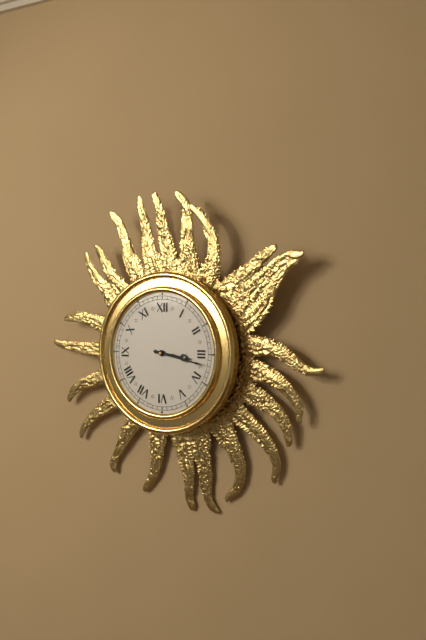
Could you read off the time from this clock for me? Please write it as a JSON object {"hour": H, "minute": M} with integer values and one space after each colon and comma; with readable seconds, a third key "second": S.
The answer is {"hour": 3, "minute": 17}
